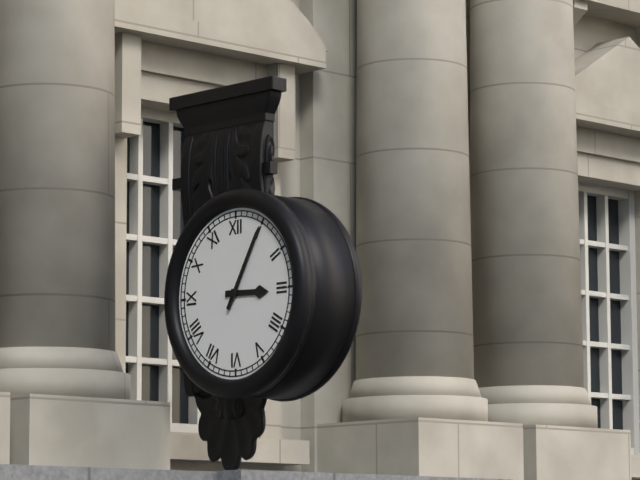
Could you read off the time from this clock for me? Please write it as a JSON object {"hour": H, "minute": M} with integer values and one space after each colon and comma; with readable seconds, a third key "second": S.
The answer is {"hour": 3, "minute": 5}
